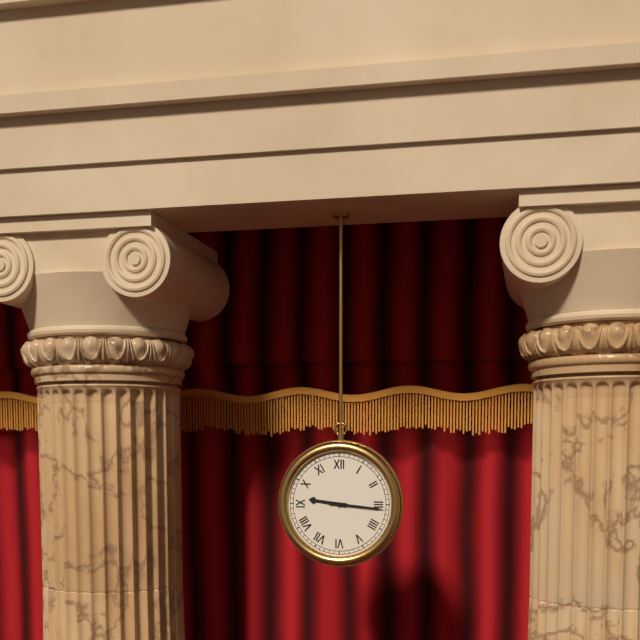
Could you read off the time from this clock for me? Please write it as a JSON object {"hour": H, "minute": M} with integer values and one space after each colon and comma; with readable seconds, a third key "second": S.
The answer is {"hour": 9, "minute": 16}
